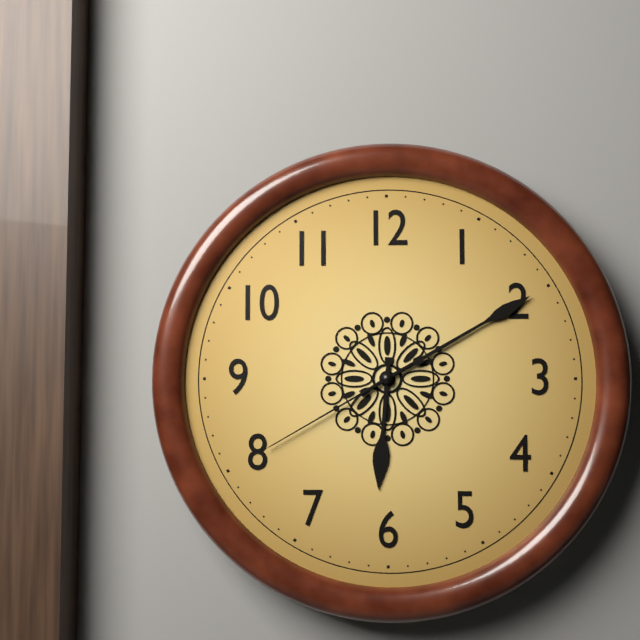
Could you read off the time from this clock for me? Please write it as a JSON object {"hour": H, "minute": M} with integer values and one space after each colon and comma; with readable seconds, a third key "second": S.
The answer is {"hour": 6, "minute": 10, "second": 40}
